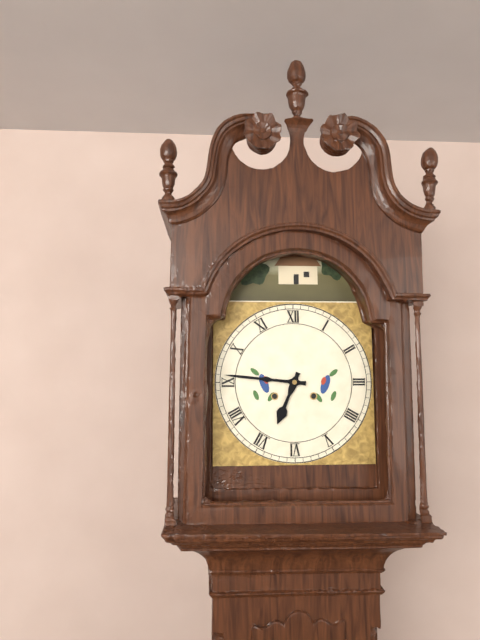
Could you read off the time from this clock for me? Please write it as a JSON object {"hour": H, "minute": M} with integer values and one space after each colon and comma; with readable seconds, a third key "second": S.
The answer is {"hour": 6, "minute": 46}
